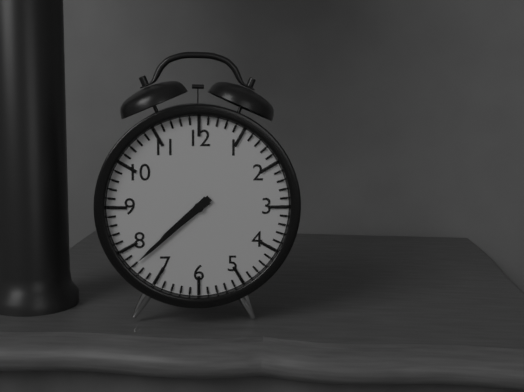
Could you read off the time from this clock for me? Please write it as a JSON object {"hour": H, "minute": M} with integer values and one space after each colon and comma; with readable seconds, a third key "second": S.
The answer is {"hour": 7, "minute": 38}
